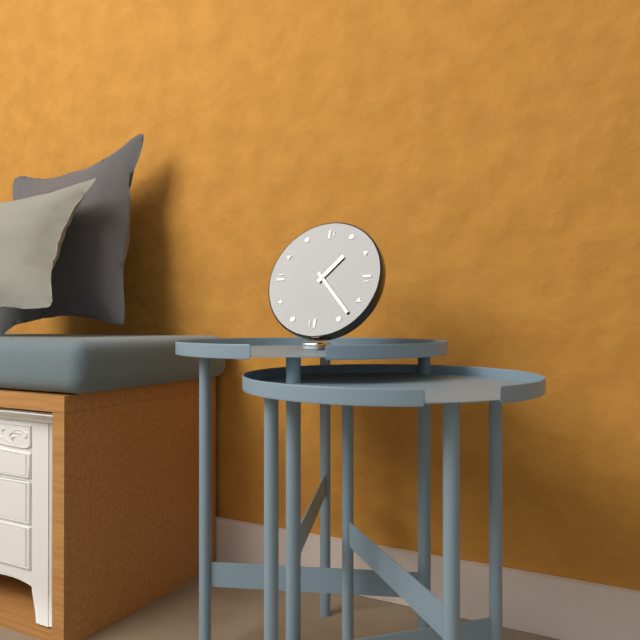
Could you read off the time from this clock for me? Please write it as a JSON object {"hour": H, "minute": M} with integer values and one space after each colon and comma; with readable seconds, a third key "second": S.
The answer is {"hour": 1, "minute": 23}
